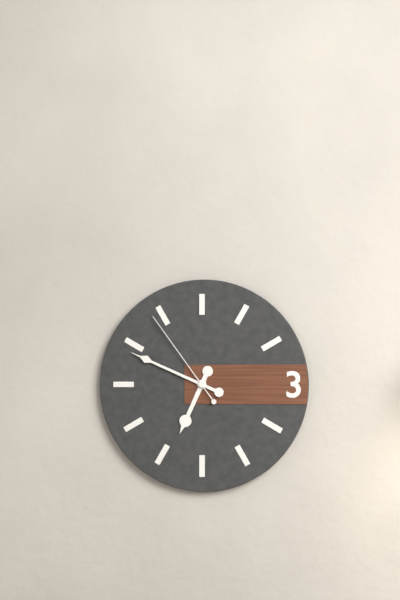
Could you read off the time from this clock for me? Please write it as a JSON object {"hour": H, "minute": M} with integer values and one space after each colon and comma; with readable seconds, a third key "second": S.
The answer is {"hour": 6, "minute": 49, "second": 54}
